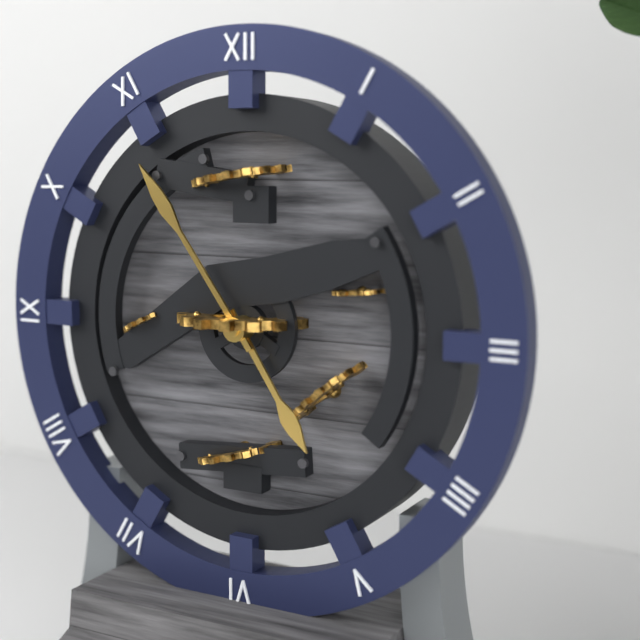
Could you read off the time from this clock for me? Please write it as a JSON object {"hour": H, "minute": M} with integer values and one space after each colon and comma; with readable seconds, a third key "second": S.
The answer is {"hour": 4, "minute": 54}
